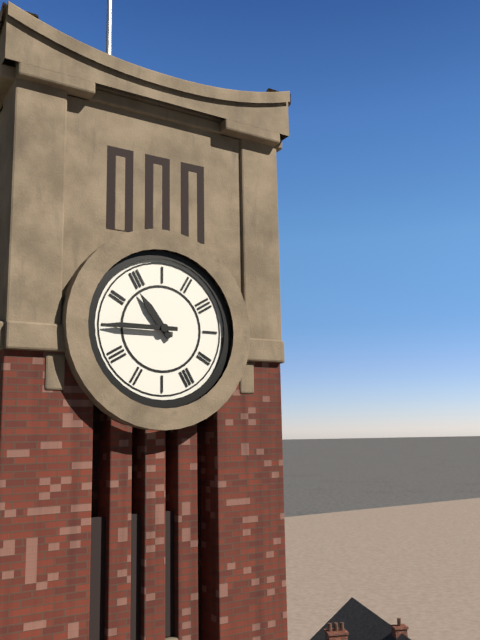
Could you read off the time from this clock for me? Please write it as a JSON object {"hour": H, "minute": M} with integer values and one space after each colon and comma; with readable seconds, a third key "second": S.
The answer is {"hour": 10, "minute": 45}
